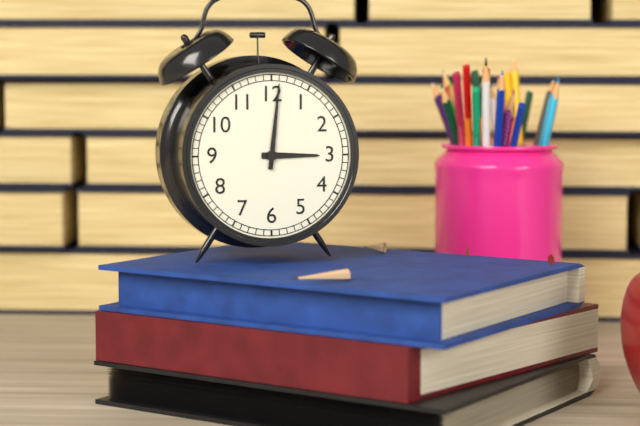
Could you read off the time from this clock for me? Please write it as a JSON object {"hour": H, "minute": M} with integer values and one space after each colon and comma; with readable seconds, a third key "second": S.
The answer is {"hour": 3, "minute": 1}
